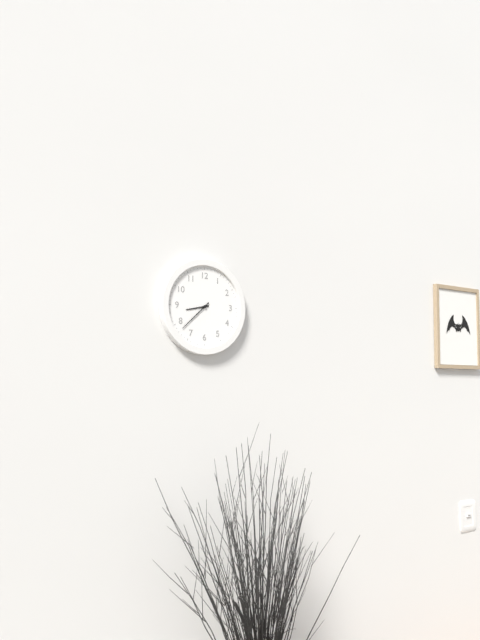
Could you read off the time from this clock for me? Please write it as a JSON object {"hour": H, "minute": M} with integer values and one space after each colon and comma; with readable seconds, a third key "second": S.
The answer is {"hour": 8, "minute": 38}
